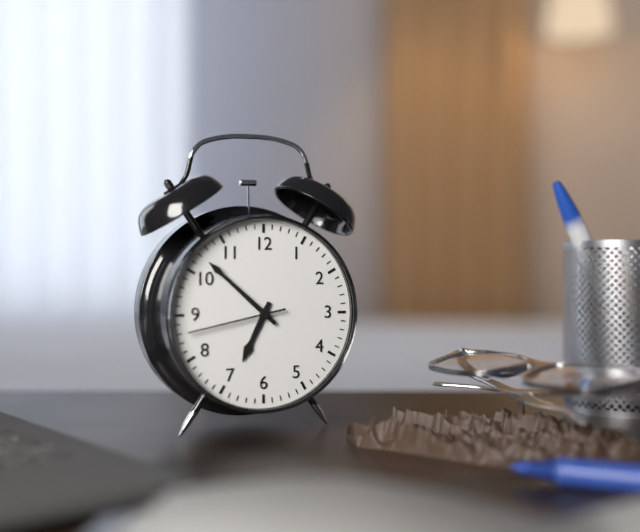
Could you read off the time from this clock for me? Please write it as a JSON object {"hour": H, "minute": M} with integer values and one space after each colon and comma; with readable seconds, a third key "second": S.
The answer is {"hour": 6, "minute": 52, "second": 43}
